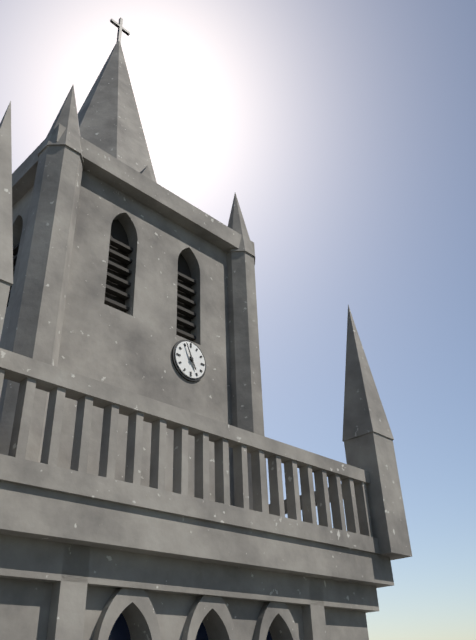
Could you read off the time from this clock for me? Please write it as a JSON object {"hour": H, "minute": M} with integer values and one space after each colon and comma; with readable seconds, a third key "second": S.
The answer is {"hour": 4, "minute": 56}
